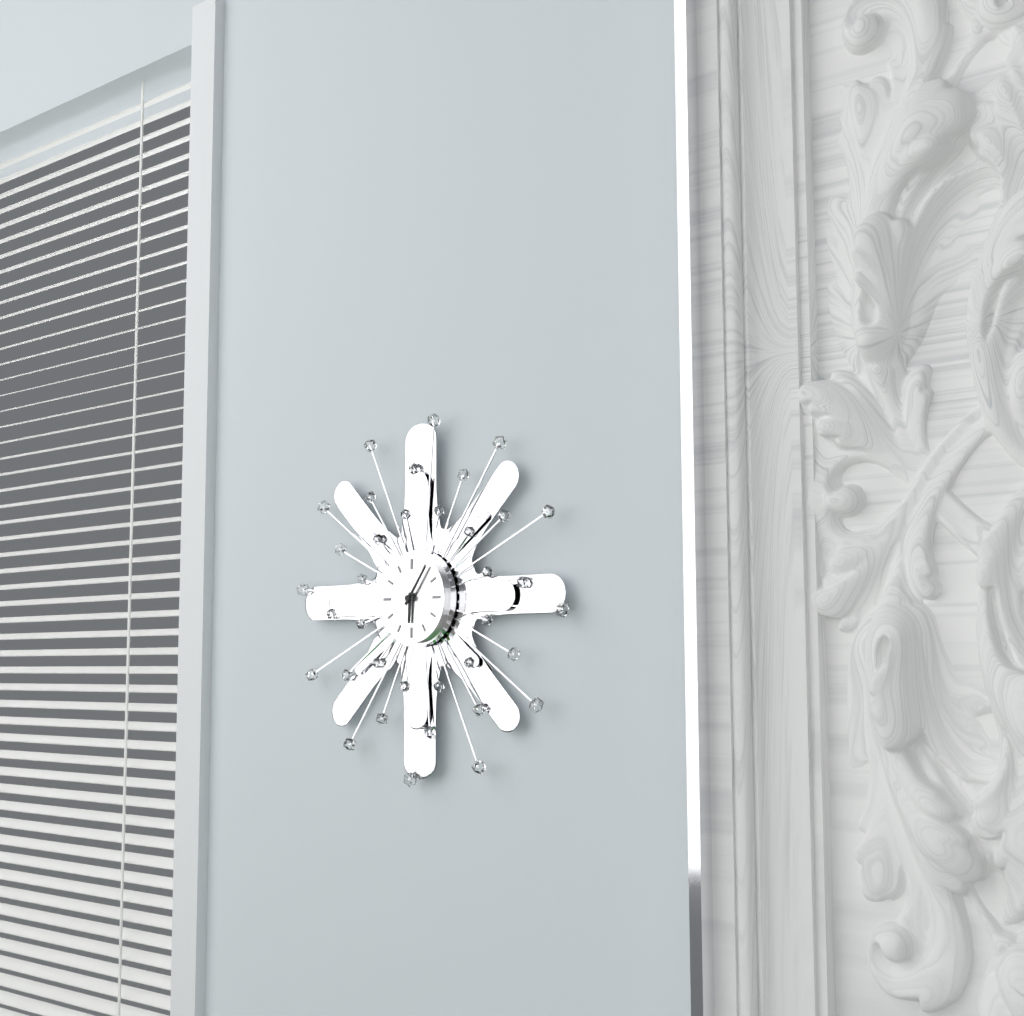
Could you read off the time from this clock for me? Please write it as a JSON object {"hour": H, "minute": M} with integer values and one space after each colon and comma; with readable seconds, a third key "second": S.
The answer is {"hour": 6, "minute": 6}
